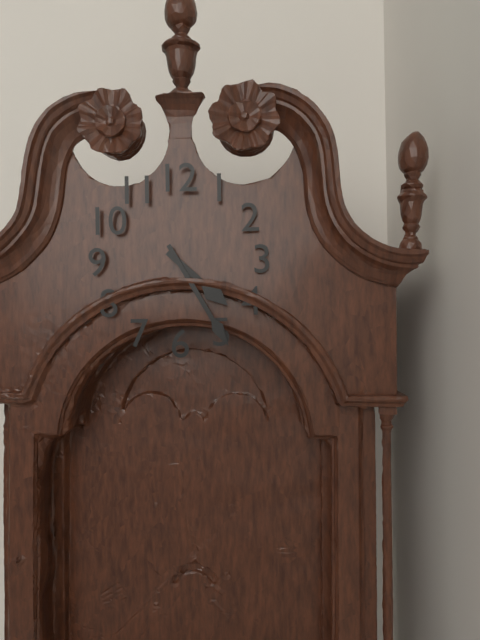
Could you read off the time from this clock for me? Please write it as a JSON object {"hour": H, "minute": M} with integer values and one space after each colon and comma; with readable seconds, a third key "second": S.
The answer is {"hour": 4, "minute": 25}
